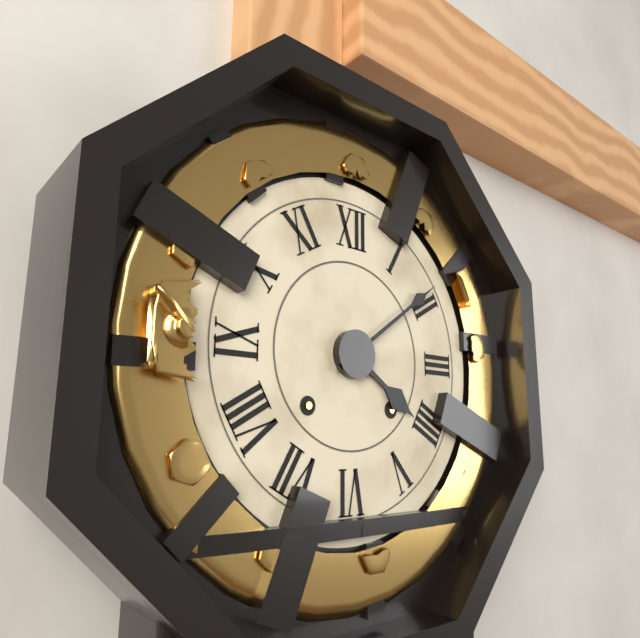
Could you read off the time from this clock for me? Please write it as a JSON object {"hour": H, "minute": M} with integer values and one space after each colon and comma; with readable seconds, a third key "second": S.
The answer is {"hour": 4, "minute": 9}
